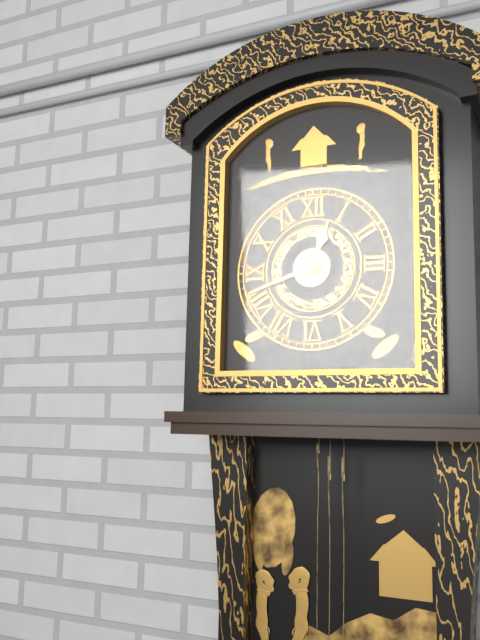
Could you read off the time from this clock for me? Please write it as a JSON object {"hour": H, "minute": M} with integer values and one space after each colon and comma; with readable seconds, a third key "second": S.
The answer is {"hour": 12, "minute": 42}
